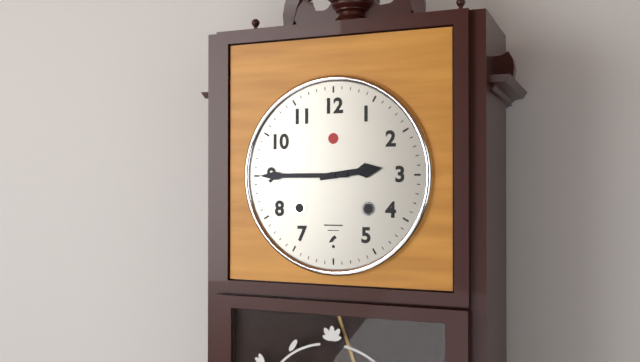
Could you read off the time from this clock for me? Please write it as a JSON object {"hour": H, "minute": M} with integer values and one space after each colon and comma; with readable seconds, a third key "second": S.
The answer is {"hour": 2, "minute": 45}
